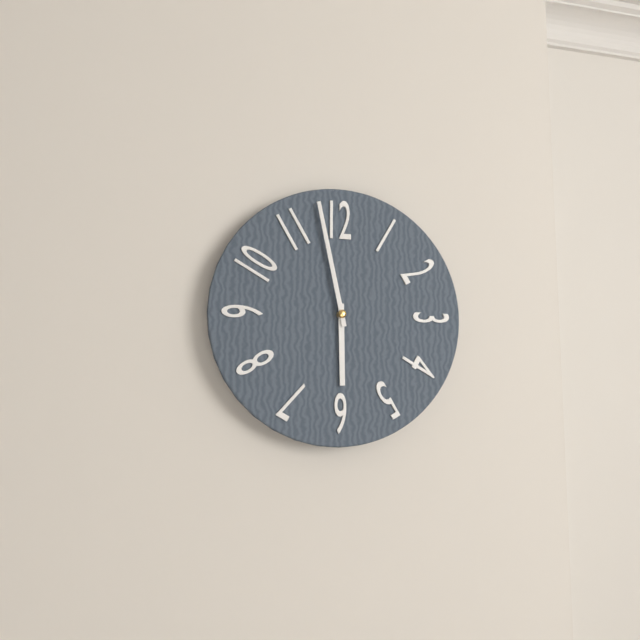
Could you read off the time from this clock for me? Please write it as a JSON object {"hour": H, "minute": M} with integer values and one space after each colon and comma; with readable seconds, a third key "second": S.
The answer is {"hour": 5, "minute": 58}
